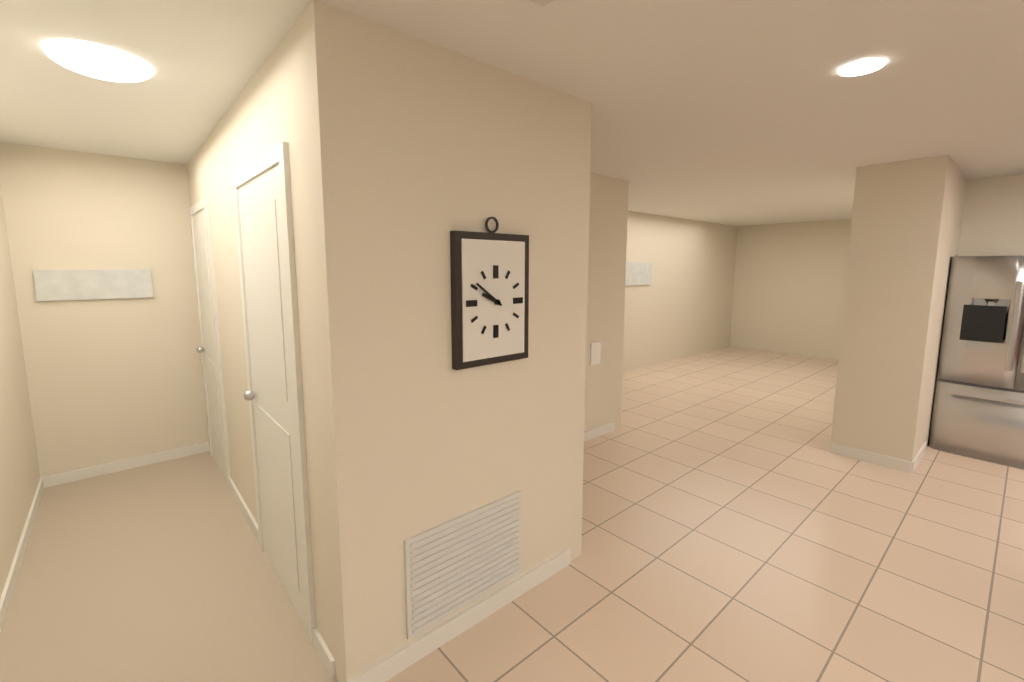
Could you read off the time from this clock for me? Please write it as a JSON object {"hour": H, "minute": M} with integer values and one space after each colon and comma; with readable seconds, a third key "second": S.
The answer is {"hour": 9, "minute": 51}
